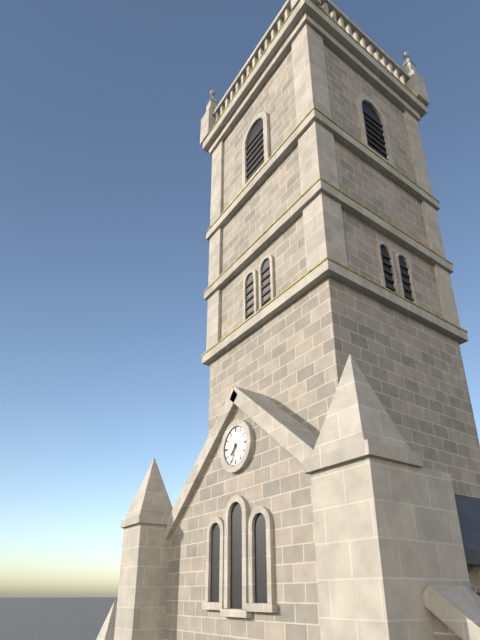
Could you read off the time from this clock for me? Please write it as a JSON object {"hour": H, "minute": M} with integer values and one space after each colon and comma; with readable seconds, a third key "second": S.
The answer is {"hour": 7, "minute": 33}
